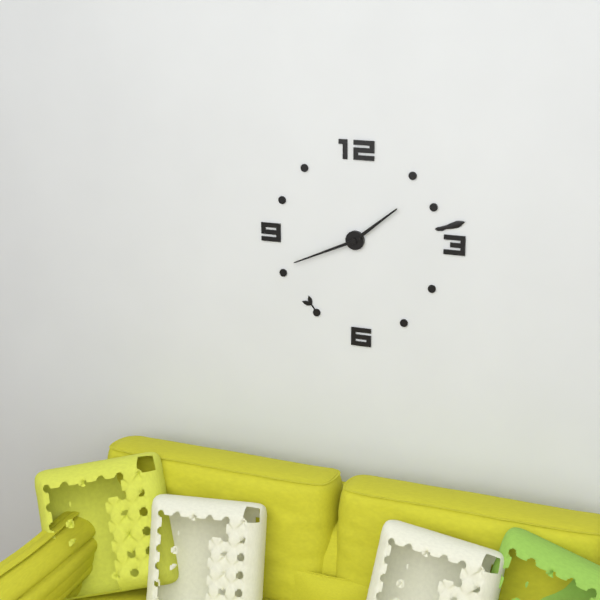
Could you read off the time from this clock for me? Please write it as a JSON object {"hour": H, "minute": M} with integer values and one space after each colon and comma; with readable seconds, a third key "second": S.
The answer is {"hour": 1, "minute": 41}
